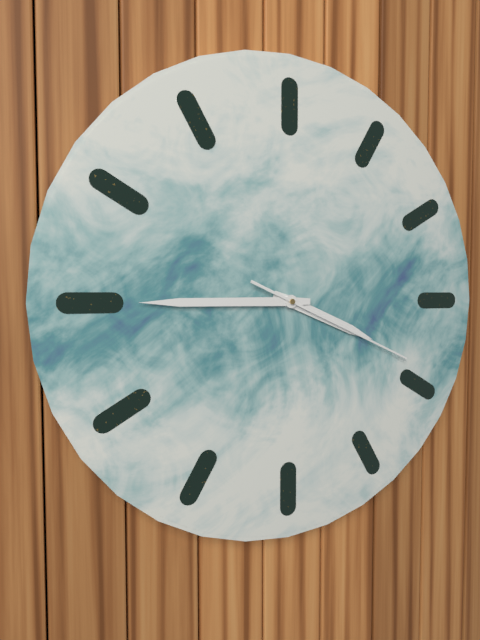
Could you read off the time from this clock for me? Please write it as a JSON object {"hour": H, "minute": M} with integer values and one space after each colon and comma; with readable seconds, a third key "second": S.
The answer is {"hour": 3, "minute": 45, "second": 19}
